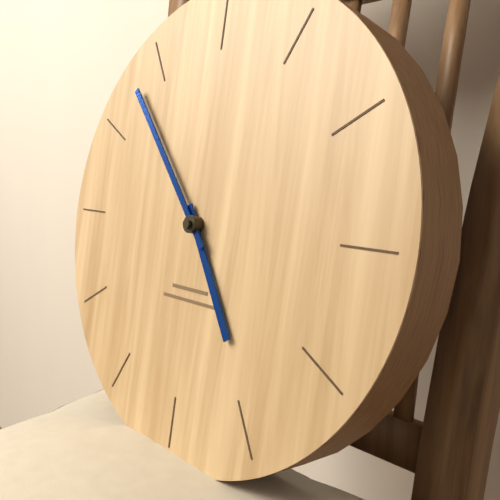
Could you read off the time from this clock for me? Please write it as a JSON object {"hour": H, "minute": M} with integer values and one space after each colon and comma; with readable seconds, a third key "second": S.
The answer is {"hour": 4, "minute": 53}
